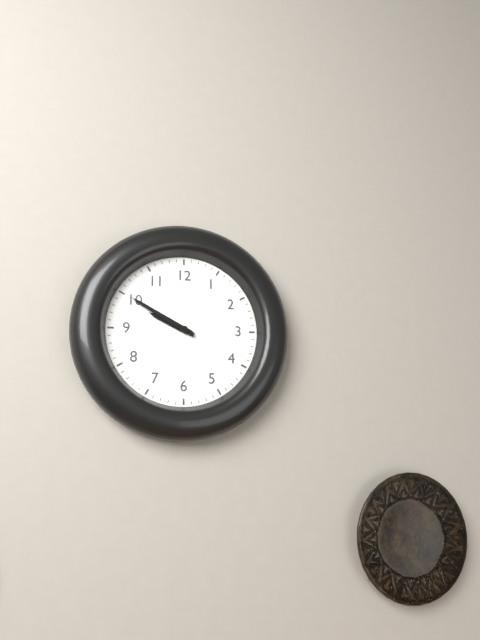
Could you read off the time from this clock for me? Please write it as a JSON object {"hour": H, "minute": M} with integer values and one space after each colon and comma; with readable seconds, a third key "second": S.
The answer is {"hour": 9, "minute": 50}
